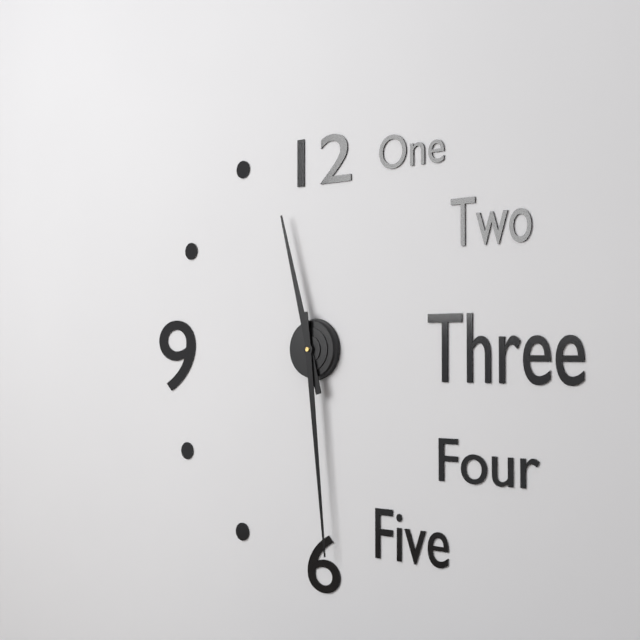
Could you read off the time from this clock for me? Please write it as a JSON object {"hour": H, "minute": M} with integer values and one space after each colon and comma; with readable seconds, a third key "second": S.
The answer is {"hour": 11, "minute": 29}
